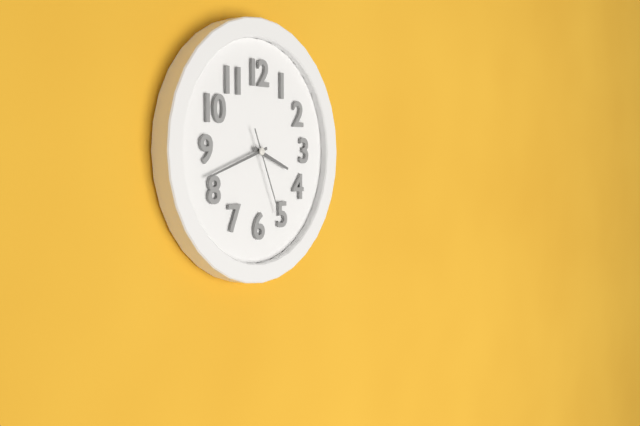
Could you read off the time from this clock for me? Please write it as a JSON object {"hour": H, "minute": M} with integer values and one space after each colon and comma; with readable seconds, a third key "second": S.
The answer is {"hour": 3, "minute": 42, "second": 26}
